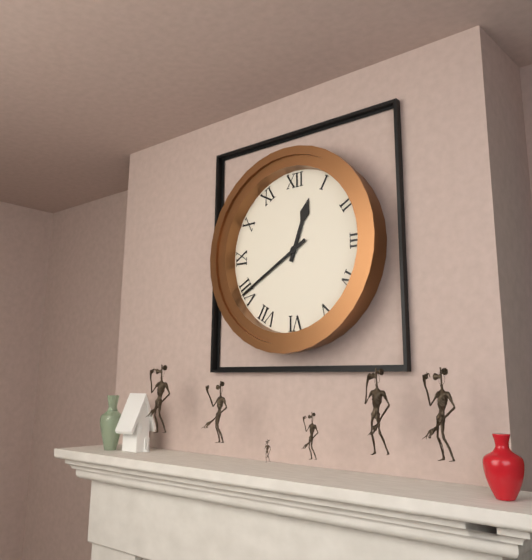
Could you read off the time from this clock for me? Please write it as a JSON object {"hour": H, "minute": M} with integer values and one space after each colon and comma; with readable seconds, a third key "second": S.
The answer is {"hour": 12, "minute": 40}
